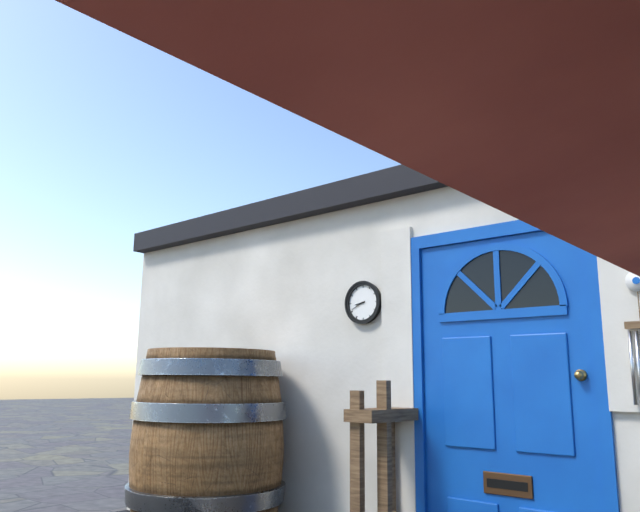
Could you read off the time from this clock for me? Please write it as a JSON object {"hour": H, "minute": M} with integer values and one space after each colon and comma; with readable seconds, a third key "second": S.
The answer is {"hour": 8, "minute": 41}
